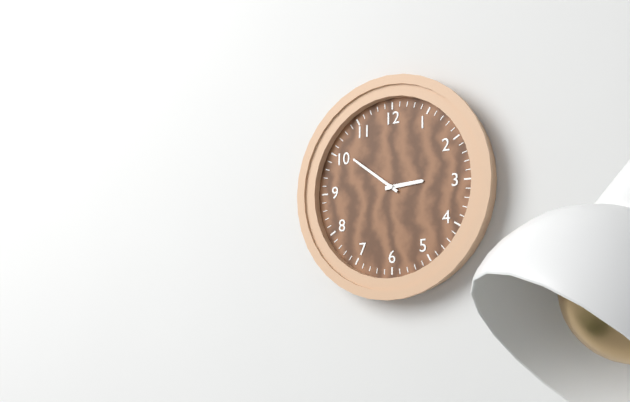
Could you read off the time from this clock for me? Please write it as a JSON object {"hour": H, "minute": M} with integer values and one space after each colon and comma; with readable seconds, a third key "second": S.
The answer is {"hour": 2, "minute": 51}
